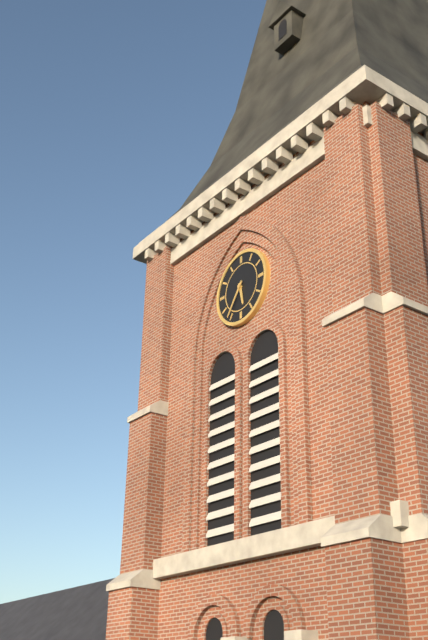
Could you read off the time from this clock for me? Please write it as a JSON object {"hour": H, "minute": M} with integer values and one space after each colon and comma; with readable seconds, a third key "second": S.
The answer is {"hour": 5, "minute": 36}
